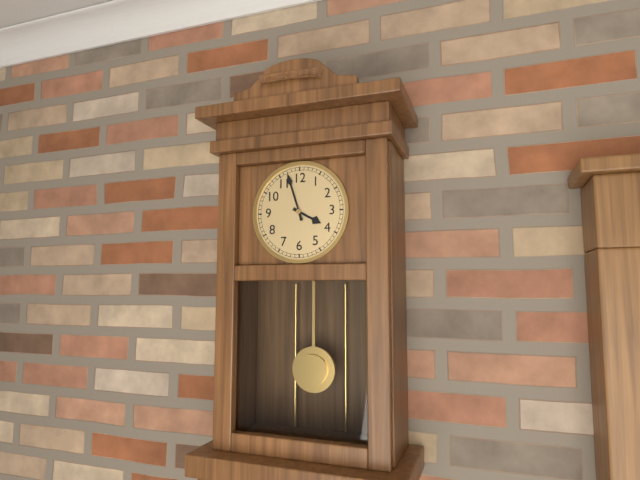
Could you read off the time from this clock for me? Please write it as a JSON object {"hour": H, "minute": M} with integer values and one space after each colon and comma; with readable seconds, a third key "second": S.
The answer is {"hour": 3, "minute": 57}
